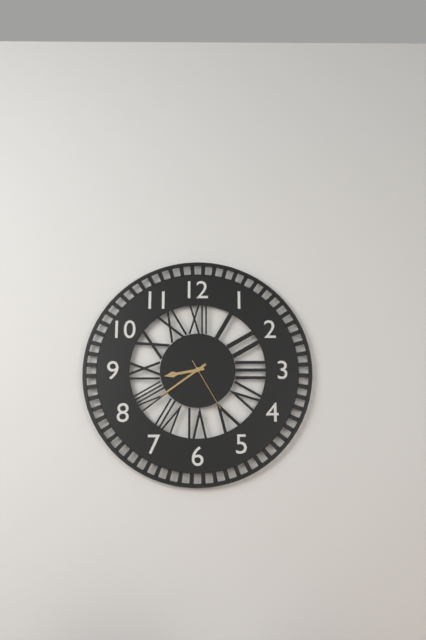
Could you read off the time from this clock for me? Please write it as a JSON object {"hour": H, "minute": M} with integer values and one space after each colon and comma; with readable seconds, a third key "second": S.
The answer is {"hour": 8, "minute": 39, "second": 25}
